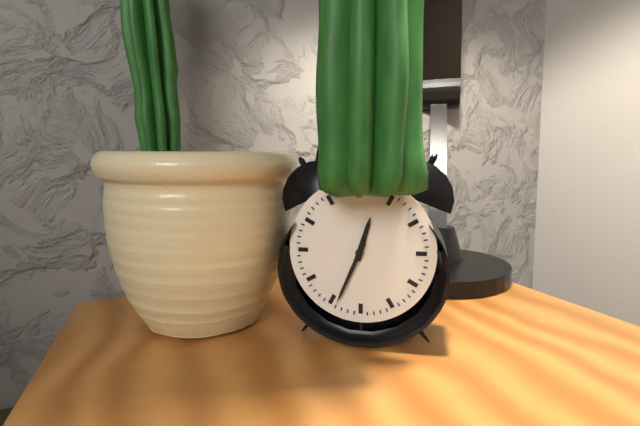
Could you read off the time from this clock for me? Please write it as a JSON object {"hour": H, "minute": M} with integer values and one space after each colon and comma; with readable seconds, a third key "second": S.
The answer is {"hour": 12, "minute": 34}
